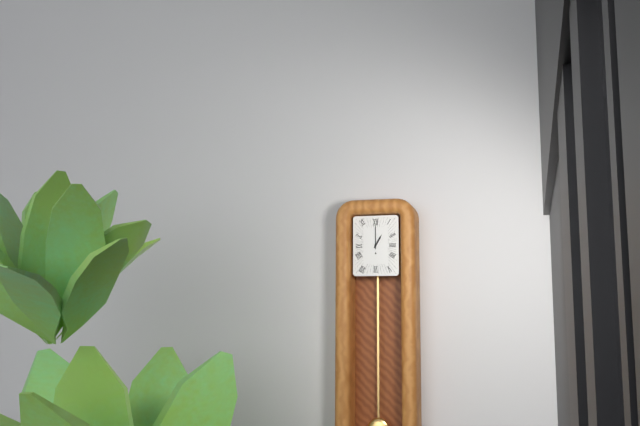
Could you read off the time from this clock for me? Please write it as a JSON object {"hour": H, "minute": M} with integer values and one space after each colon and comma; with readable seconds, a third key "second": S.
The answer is {"hour": 1, "minute": 0}
